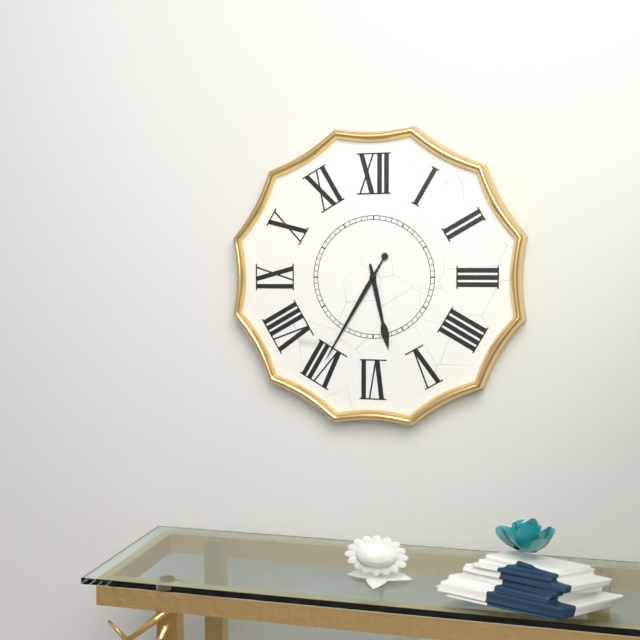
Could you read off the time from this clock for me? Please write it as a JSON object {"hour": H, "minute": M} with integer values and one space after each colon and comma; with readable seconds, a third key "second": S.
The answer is {"hour": 5, "minute": 35}
